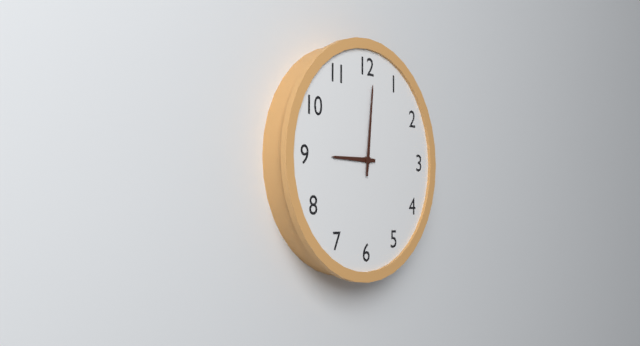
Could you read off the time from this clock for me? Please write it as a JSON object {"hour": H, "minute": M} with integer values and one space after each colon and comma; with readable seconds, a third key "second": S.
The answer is {"hour": 9, "minute": 1}
